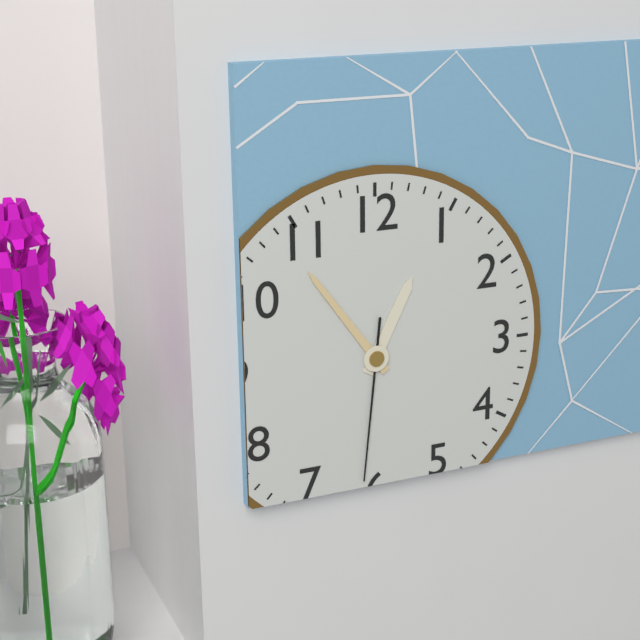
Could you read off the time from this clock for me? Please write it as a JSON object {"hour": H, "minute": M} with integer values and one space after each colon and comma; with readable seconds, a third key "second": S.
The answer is {"hour": 12, "minute": 54, "second": 31}
